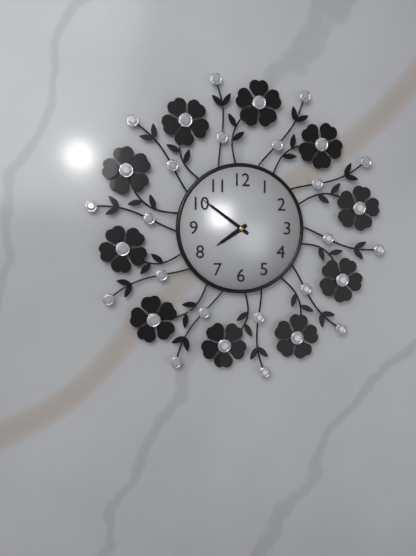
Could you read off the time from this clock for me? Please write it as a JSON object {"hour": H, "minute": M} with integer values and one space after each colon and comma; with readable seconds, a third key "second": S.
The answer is {"hour": 7, "minute": 51}
